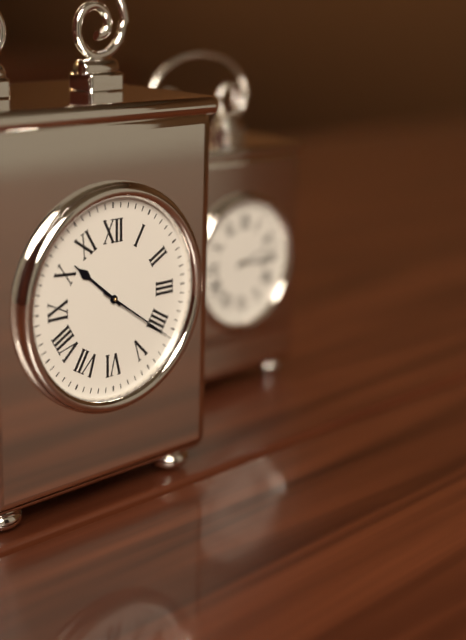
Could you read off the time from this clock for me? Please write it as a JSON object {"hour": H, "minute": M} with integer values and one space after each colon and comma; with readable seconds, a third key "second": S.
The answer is {"hour": 10, "minute": 21}
